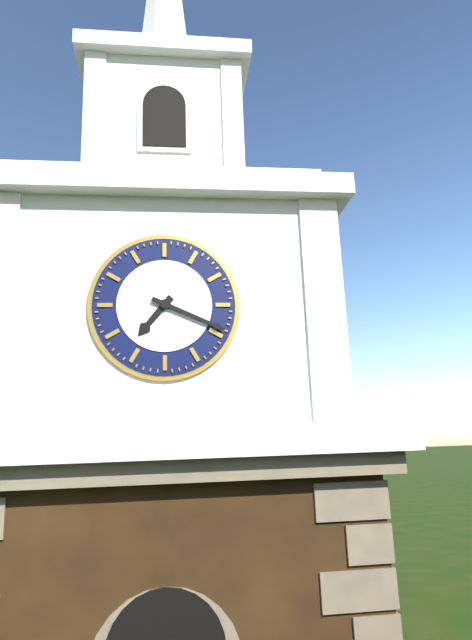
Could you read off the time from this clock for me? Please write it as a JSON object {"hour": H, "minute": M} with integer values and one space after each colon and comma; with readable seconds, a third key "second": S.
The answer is {"hour": 7, "minute": 19}
